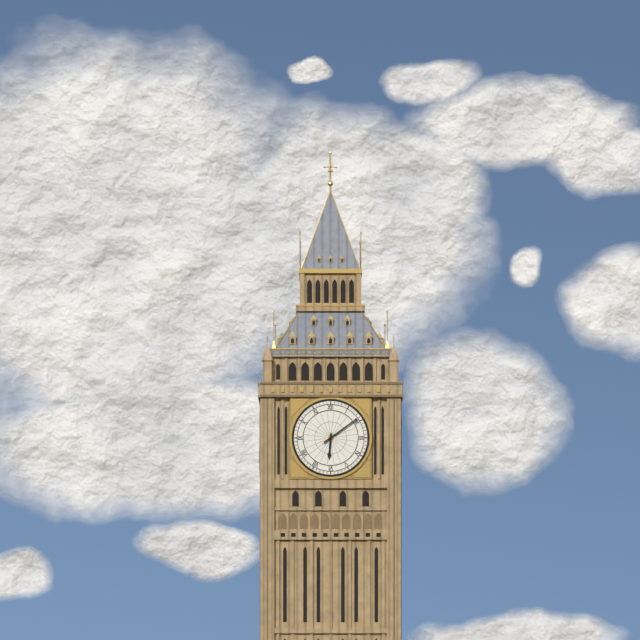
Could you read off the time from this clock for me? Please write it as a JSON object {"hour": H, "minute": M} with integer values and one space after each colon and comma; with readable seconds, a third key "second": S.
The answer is {"hour": 6, "minute": 9}
